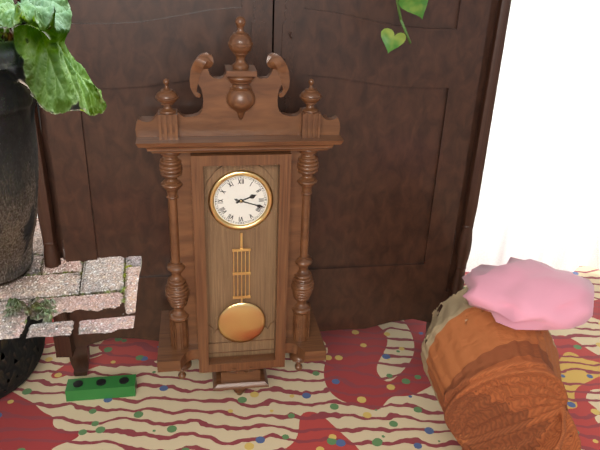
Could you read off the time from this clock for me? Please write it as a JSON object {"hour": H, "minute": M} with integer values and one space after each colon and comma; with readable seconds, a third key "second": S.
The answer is {"hour": 2, "minute": 18}
